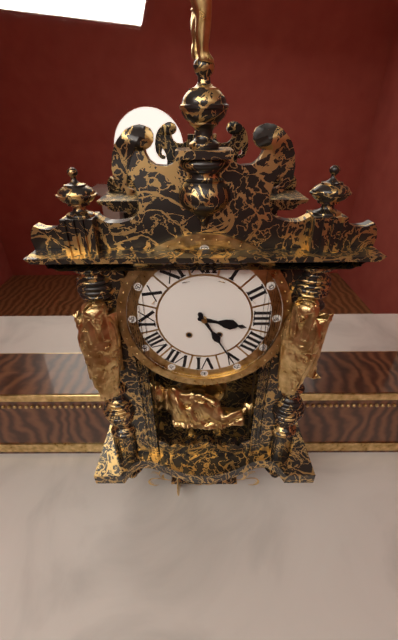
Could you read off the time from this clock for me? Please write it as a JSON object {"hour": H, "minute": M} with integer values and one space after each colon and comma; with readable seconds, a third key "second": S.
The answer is {"hour": 3, "minute": 25}
